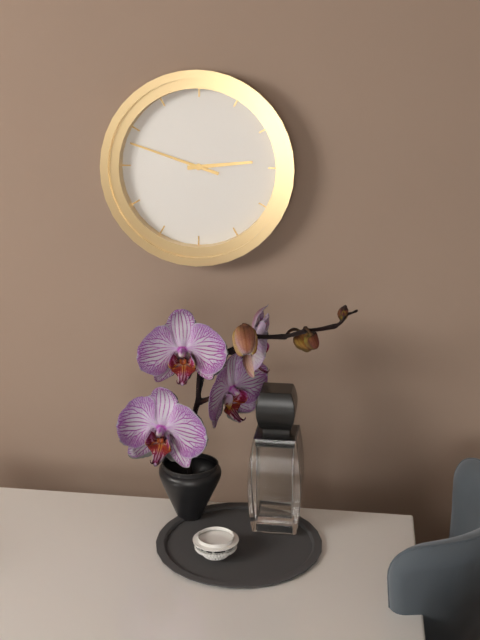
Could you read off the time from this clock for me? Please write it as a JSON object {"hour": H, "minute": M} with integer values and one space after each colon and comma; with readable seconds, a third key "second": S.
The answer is {"hour": 2, "minute": 48}
